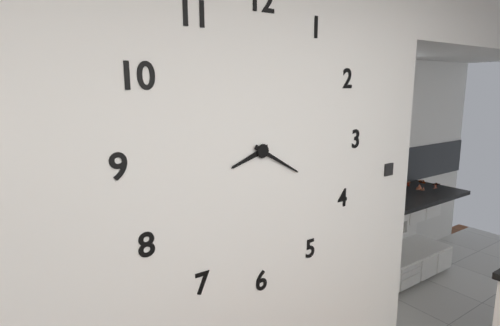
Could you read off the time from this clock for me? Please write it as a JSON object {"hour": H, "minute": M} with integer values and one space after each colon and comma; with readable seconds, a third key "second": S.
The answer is {"hour": 8, "minute": 20}
